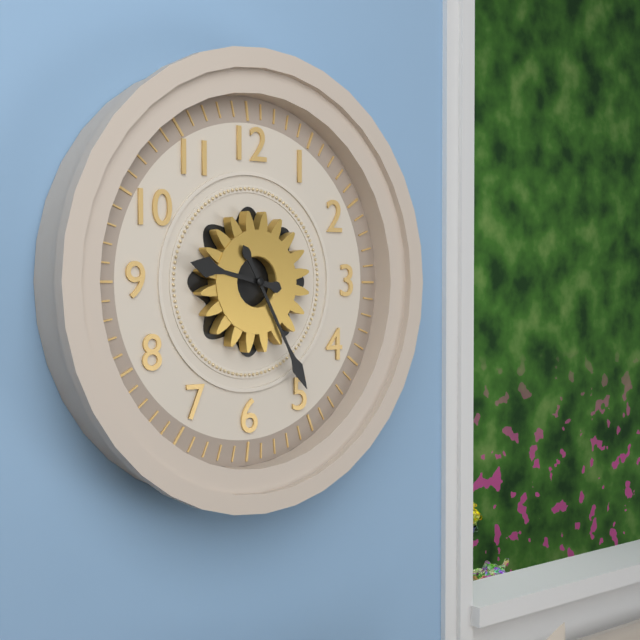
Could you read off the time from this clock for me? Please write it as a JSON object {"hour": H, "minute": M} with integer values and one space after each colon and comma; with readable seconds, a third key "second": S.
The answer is {"hour": 9, "minute": 25}
